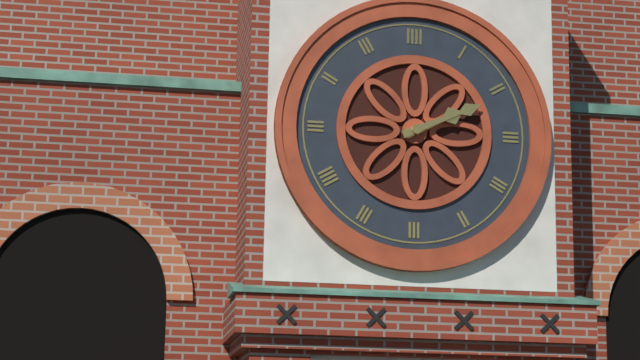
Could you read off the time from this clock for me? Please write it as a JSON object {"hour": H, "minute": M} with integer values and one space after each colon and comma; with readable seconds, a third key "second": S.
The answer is {"hour": 2, "minute": 11}
